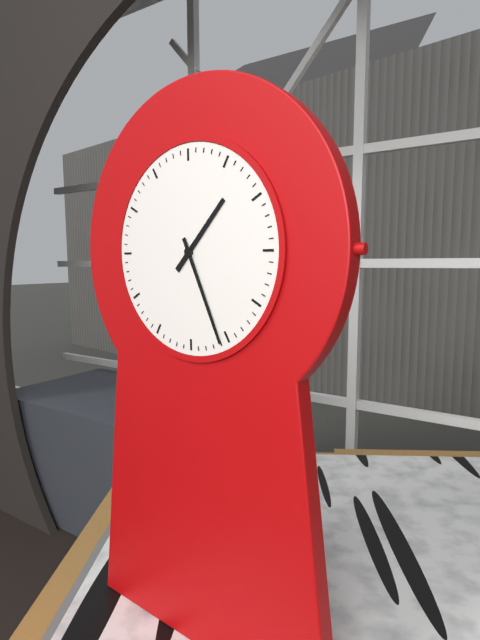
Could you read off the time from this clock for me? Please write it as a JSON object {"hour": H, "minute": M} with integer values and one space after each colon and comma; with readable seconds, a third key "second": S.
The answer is {"hour": 1, "minute": 26}
